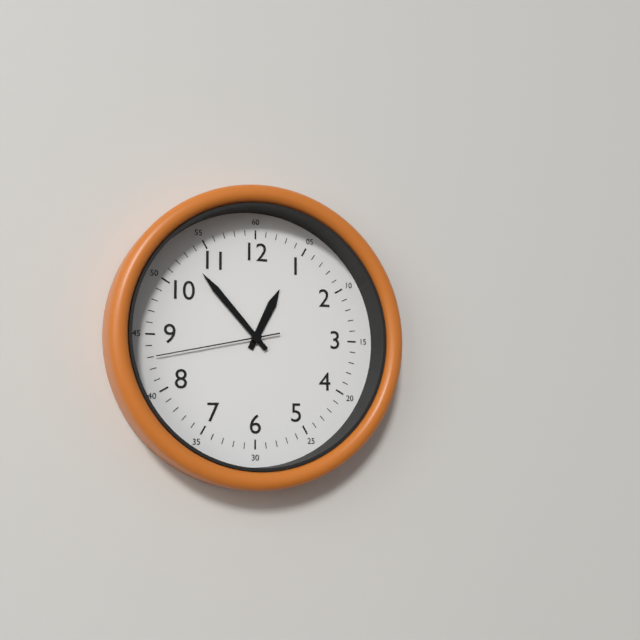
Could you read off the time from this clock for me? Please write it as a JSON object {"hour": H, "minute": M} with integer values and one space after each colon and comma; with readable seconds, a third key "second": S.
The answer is {"hour": 12, "minute": 53, "second": 43}
